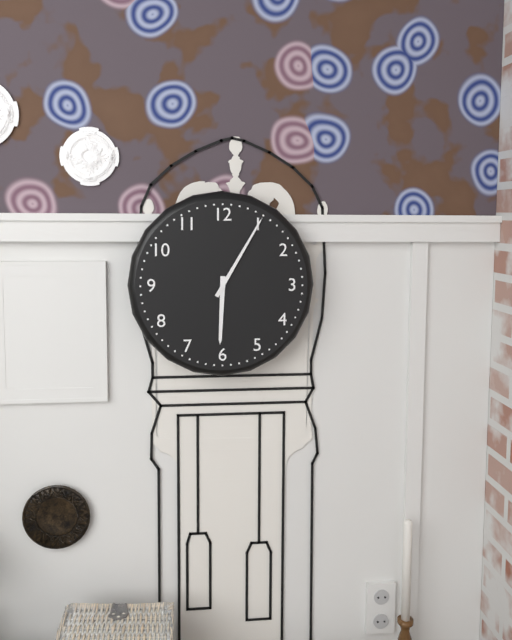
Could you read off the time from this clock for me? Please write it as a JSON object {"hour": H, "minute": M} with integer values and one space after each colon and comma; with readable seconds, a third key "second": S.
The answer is {"hour": 6, "minute": 5}
